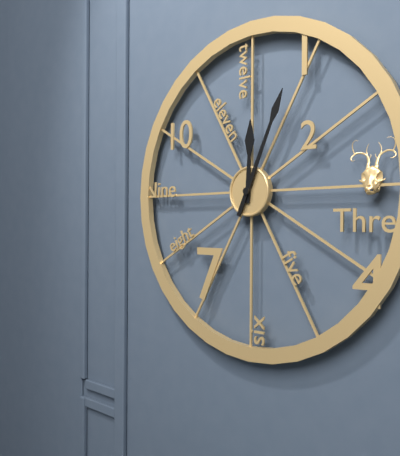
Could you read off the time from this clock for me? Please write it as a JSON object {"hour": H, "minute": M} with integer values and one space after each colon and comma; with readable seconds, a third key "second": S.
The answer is {"hour": 12, "minute": 4}
